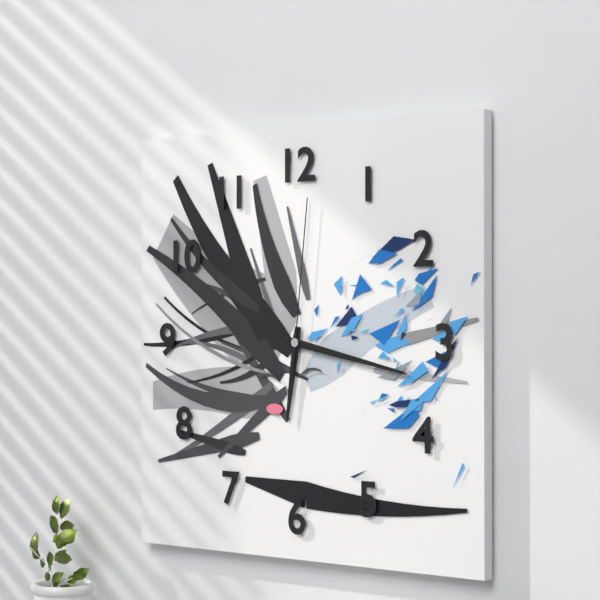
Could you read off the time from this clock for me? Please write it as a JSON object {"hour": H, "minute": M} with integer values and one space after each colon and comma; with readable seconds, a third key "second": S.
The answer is {"hour": 6, "minute": 17, "second": 1}
